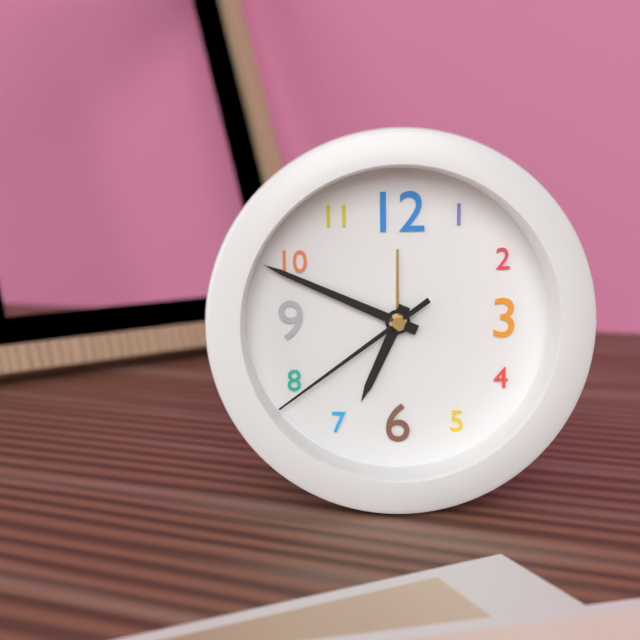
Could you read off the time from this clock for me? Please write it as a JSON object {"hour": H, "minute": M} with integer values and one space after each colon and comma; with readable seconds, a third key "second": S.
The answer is {"hour": 6, "minute": 49, "second": 39}
